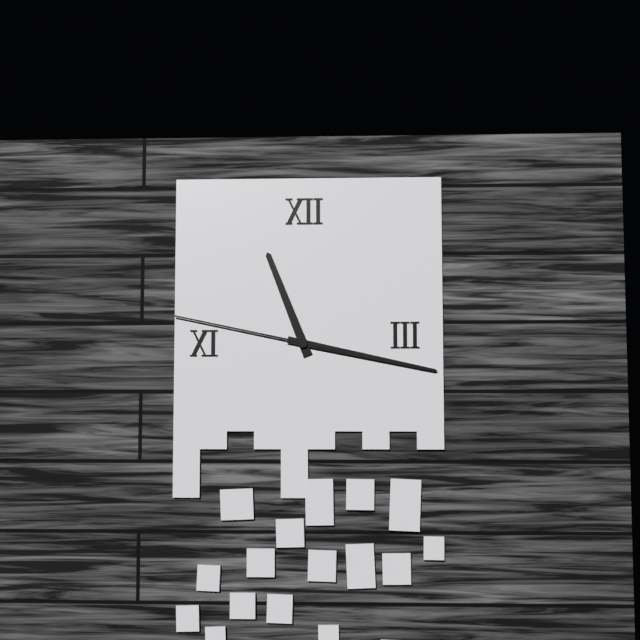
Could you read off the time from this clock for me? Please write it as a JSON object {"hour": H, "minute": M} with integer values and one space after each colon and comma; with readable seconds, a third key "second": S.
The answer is {"hour": 11, "minute": 17, "second": 47}
